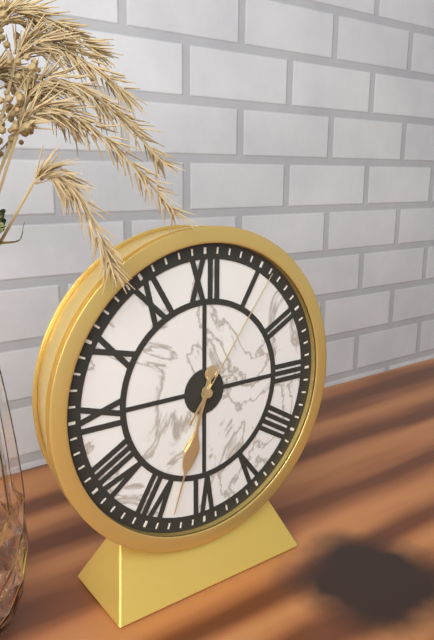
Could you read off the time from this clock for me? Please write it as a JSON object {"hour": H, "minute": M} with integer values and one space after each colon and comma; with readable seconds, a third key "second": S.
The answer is {"hour": 6, "minute": 33, "second": 6}
